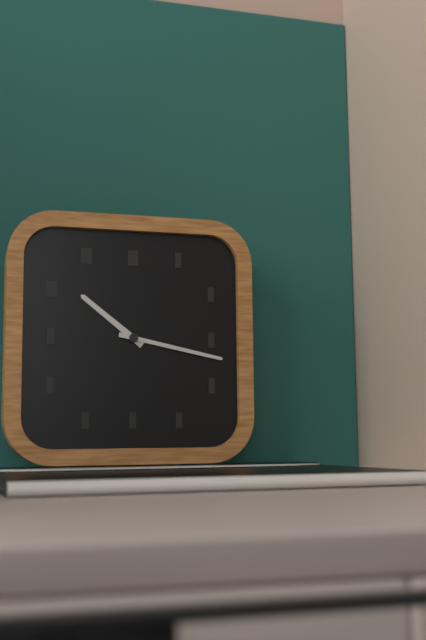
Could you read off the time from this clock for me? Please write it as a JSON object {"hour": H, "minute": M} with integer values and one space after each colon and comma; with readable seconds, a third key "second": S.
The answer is {"hour": 10, "minute": 17}
